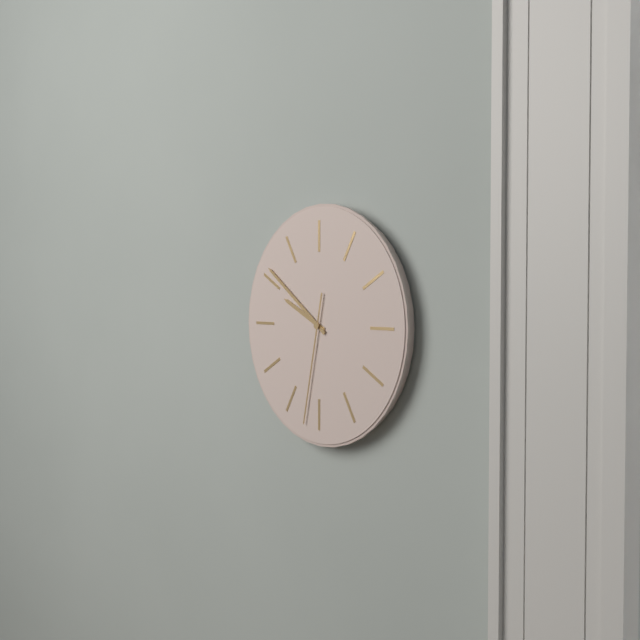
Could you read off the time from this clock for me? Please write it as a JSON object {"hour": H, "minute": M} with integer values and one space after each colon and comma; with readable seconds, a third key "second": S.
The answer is {"hour": 9, "minute": 51, "second": 32}
